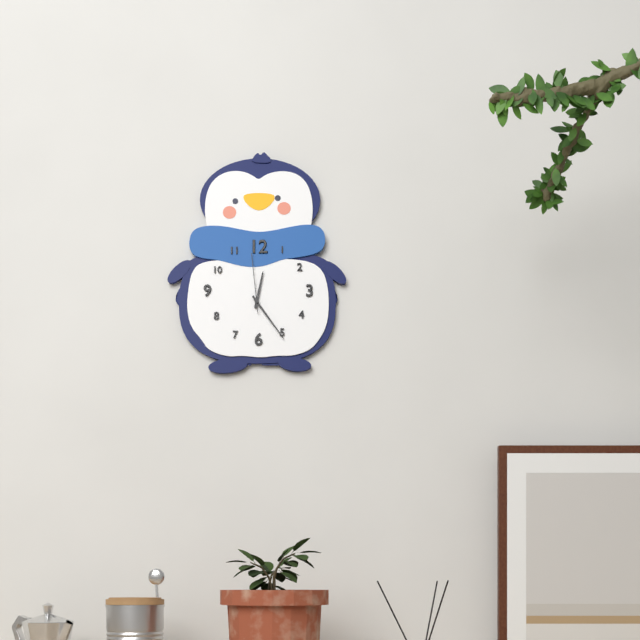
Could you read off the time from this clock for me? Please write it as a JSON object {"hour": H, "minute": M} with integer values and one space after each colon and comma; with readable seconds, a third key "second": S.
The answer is {"hour": 12, "minute": 24, "second": 59}
